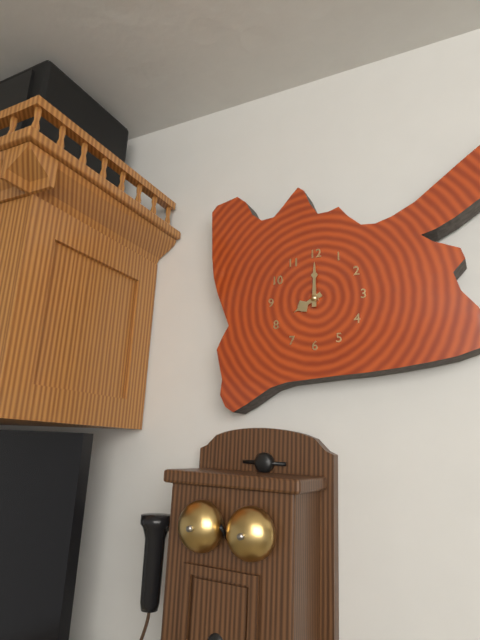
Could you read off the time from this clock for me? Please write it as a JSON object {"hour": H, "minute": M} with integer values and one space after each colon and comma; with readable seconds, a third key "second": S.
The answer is {"hour": 8, "minute": 0}
